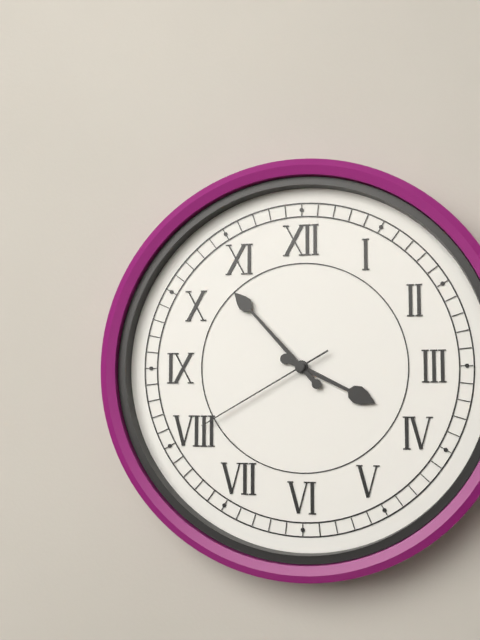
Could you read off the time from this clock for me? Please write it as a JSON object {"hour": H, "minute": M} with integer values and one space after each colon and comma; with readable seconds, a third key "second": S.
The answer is {"hour": 3, "minute": 53, "second": 40}
